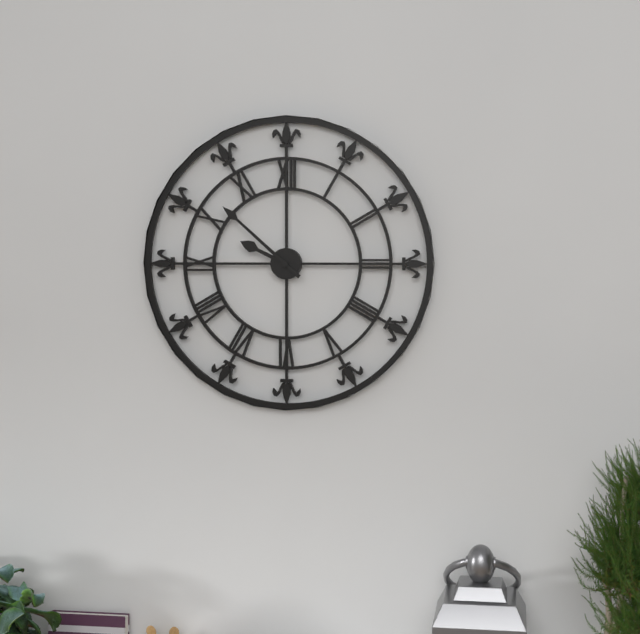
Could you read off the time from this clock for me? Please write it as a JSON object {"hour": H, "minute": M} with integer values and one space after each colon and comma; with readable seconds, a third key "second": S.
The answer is {"hour": 9, "minute": 52}
